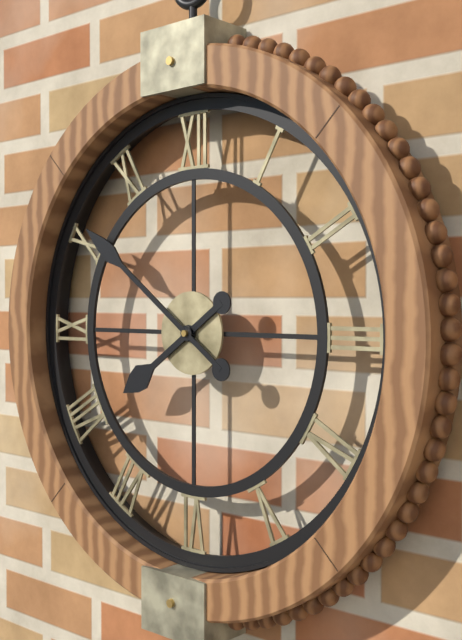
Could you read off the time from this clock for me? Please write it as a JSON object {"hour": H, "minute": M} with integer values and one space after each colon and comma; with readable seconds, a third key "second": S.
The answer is {"hour": 7, "minute": 51}
